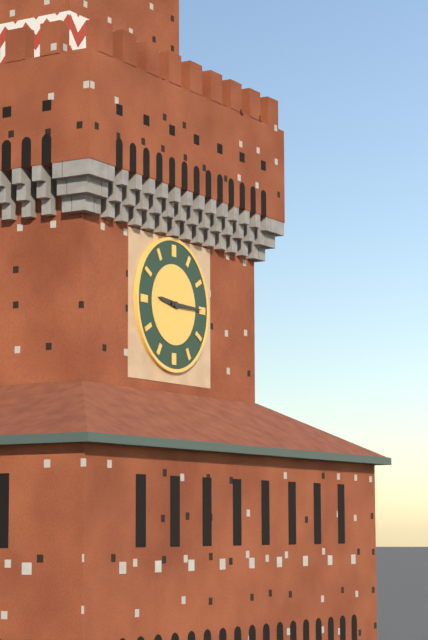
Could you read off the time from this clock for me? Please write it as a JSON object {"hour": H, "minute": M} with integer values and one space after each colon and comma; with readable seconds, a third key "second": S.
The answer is {"hour": 9, "minute": 15}
